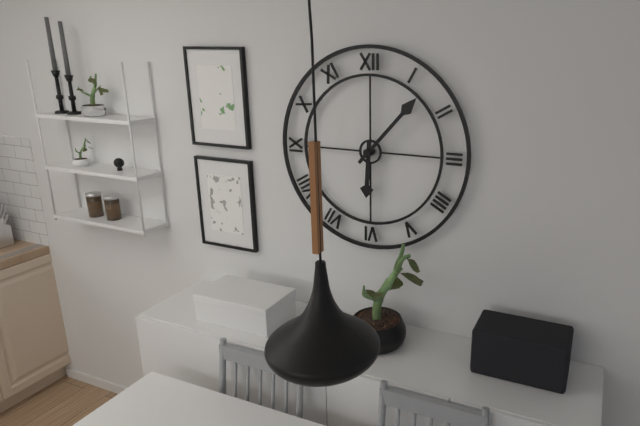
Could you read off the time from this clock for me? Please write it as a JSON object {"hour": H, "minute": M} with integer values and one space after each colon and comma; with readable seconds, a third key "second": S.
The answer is {"hour": 6, "minute": 7}
